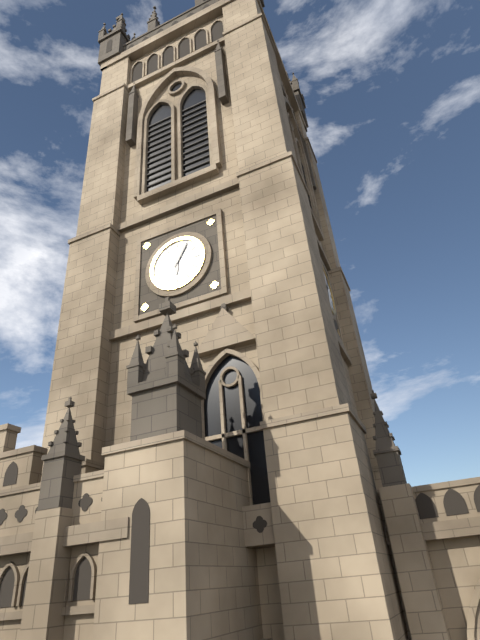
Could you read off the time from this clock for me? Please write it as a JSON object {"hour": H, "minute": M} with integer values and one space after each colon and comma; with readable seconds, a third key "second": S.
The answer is {"hour": 6, "minute": 5}
